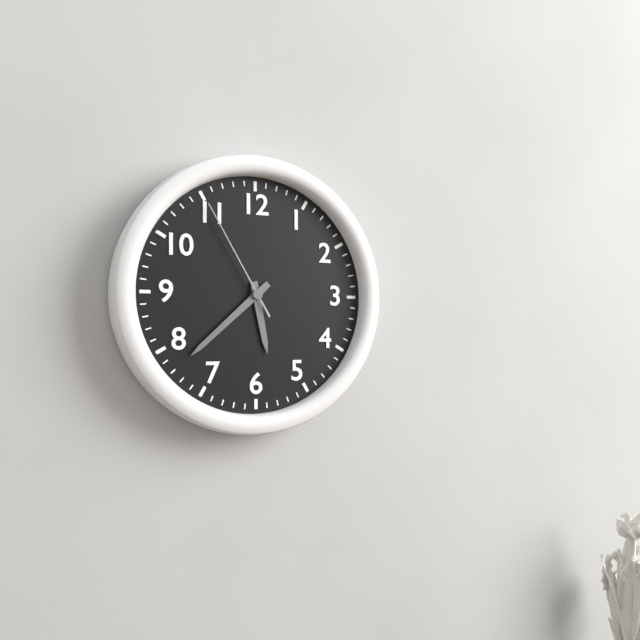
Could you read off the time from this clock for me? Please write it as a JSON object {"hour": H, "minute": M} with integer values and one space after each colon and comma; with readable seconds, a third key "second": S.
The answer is {"hour": 5, "minute": 38, "second": 55}
